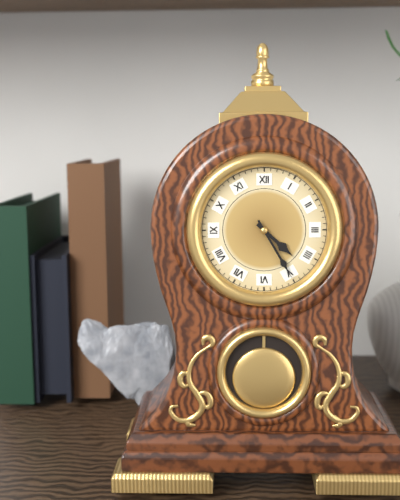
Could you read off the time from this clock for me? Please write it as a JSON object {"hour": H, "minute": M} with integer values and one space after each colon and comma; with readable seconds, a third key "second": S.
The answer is {"hour": 4, "minute": 25}
